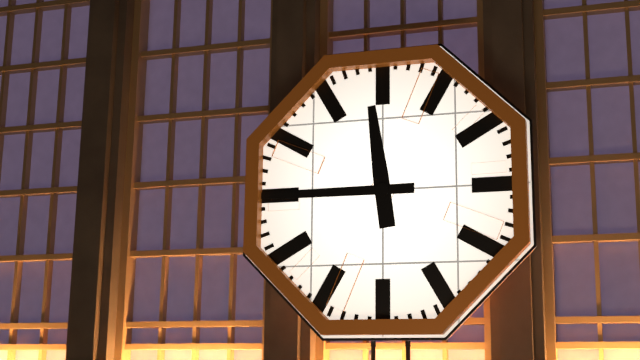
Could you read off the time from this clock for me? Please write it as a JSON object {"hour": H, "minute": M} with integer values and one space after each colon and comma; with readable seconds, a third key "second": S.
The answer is {"hour": 11, "minute": 45}
